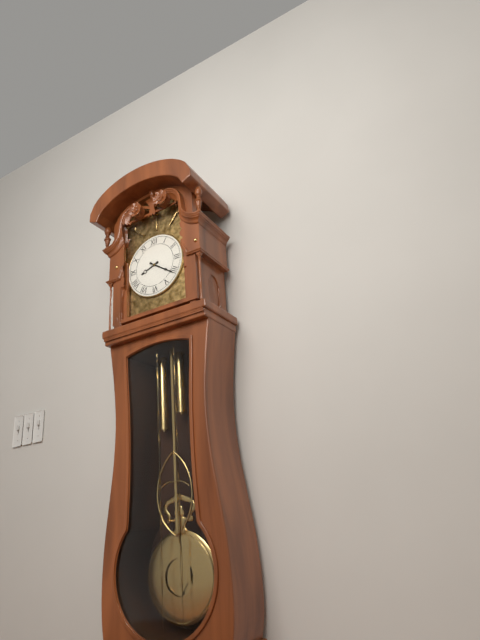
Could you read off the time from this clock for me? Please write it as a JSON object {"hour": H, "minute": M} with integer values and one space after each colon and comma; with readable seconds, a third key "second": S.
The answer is {"hour": 8, "minute": 21}
